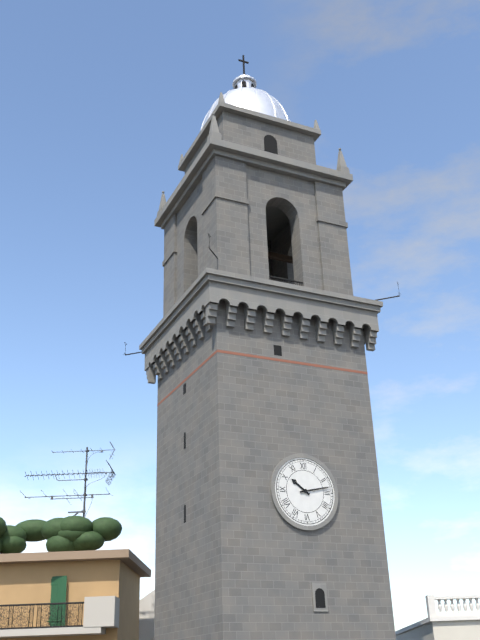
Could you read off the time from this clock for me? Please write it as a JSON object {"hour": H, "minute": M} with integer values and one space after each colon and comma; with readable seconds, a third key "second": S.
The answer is {"hour": 10, "minute": 13}
